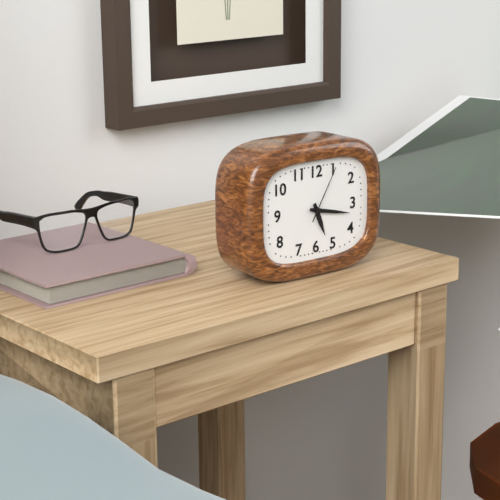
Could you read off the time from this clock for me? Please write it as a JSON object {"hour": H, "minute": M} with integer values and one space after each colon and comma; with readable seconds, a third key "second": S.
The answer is {"hour": 5, "minute": 17, "second": 5}
